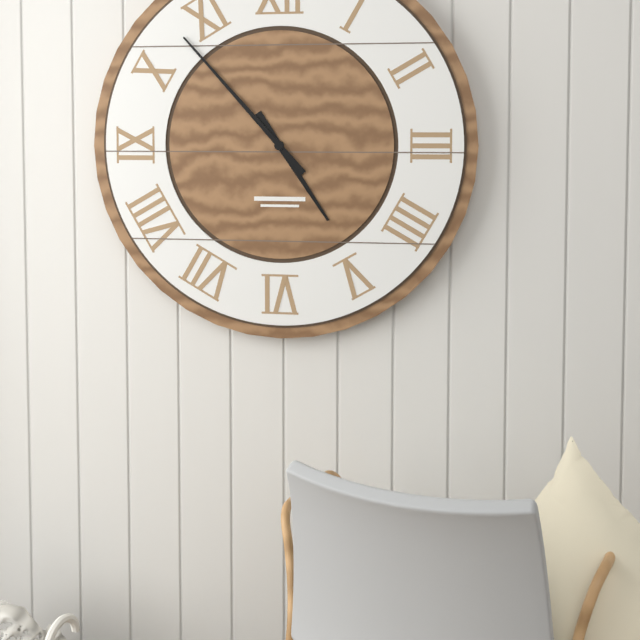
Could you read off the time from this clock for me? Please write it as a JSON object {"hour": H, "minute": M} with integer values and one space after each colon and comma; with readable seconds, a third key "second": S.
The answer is {"hour": 4, "minute": 53}
